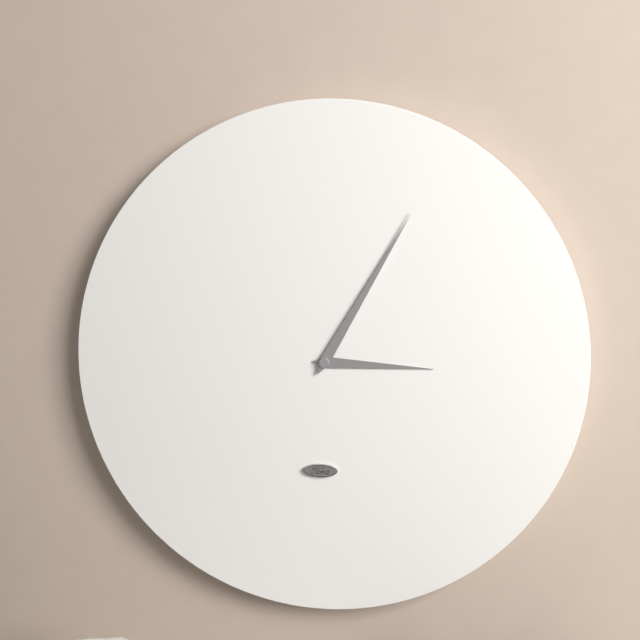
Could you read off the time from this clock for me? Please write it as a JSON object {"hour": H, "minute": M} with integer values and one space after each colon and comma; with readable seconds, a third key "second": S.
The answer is {"hour": 3, "minute": 5}
